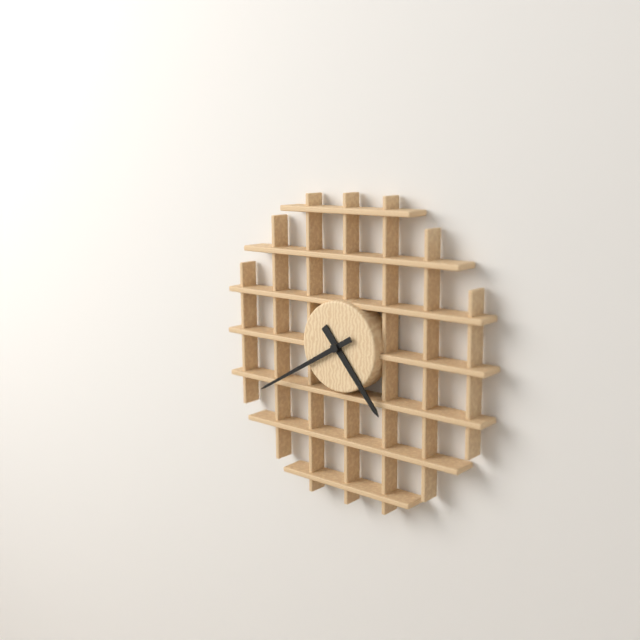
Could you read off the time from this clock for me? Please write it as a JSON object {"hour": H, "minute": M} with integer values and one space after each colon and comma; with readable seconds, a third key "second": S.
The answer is {"hour": 4, "minute": 40}
